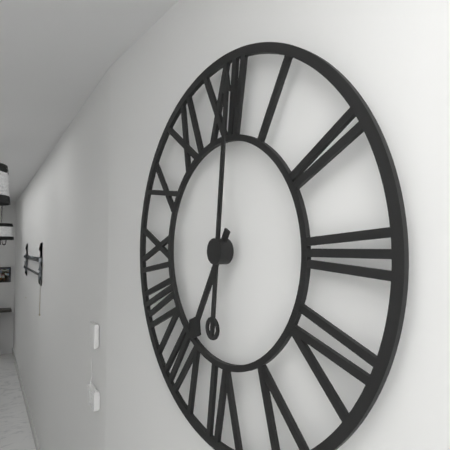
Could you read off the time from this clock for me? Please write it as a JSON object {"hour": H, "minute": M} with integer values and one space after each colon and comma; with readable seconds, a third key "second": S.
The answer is {"hour": 7, "minute": 1}
